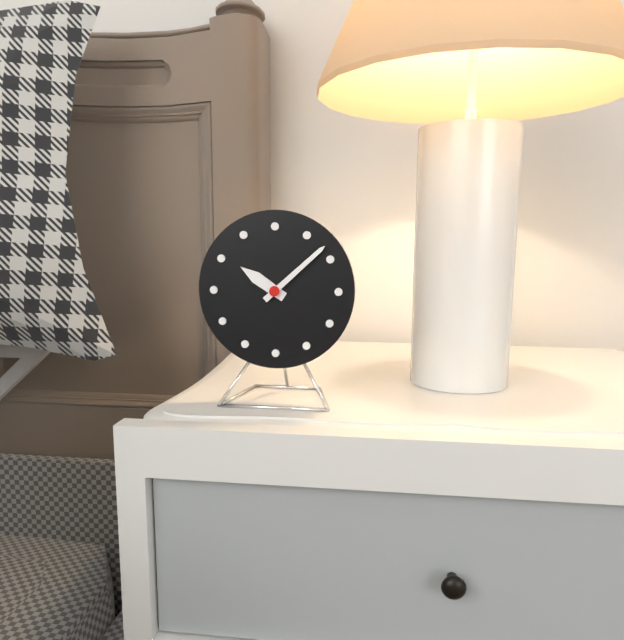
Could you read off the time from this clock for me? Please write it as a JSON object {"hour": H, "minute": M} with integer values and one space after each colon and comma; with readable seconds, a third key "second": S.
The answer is {"hour": 10, "minute": 8}
